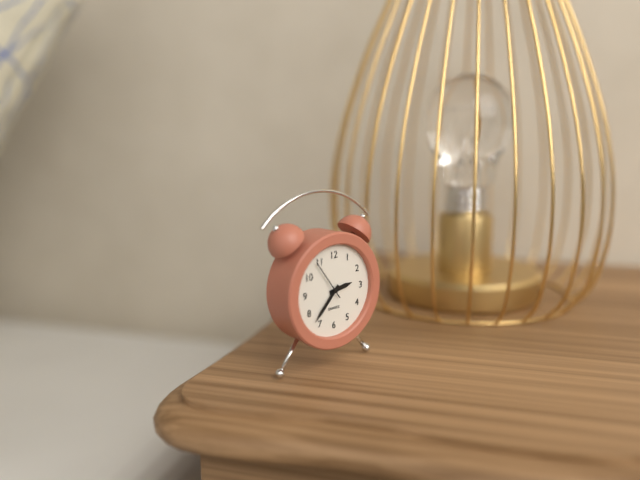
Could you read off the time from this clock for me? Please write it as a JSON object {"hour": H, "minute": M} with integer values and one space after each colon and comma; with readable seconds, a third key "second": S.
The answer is {"hour": 2, "minute": 37}
